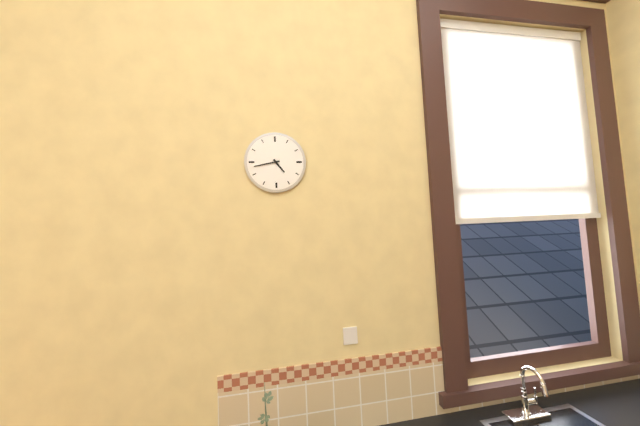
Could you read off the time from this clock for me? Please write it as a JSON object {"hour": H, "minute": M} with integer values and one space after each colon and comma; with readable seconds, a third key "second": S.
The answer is {"hour": 4, "minute": 43}
